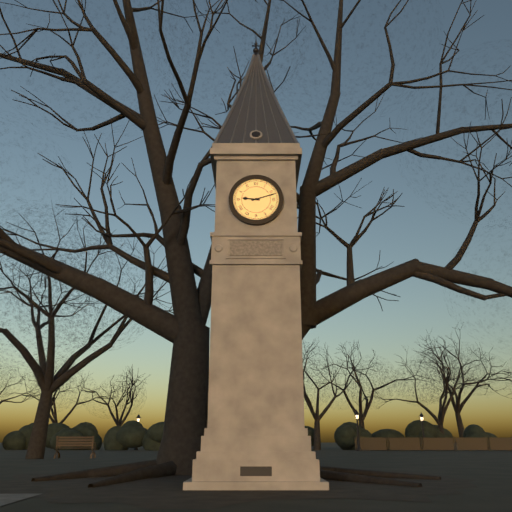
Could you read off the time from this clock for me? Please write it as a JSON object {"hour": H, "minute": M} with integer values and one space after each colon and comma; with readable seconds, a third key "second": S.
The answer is {"hour": 9, "minute": 12}
